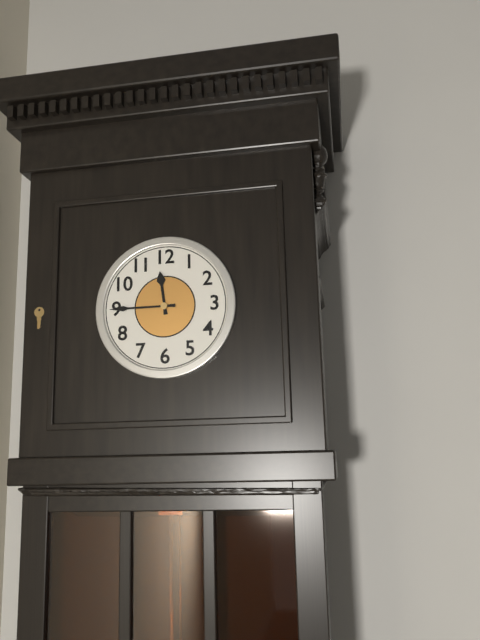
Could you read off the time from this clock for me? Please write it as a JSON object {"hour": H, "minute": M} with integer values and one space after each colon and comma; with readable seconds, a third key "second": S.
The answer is {"hour": 11, "minute": 45}
